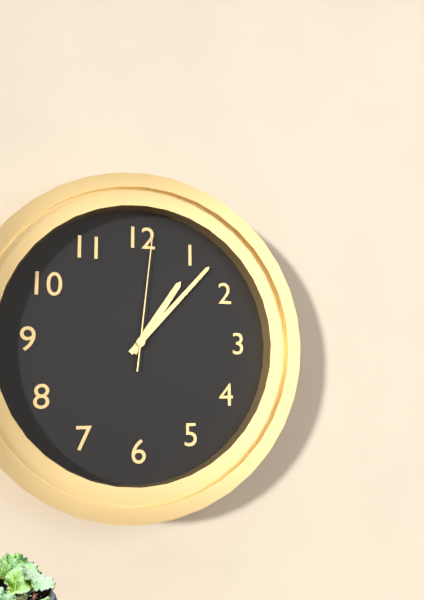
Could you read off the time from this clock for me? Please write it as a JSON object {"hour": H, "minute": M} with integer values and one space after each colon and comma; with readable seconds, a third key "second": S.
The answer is {"hour": 1, "minute": 7, "second": 1}
